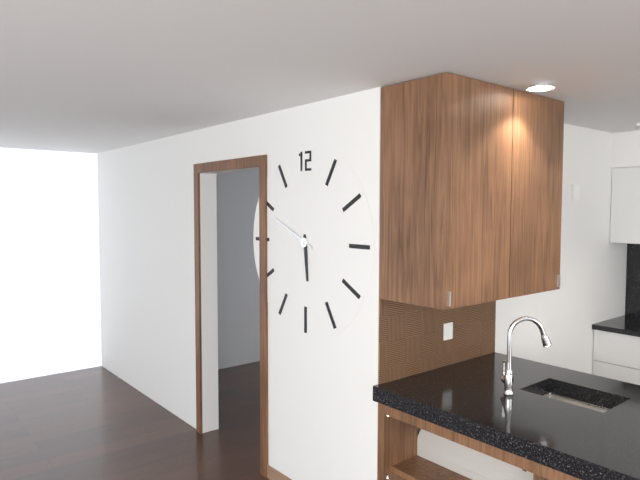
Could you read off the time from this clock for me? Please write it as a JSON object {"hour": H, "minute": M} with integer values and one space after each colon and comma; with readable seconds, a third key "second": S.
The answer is {"hour": 5, "minute": 49}
